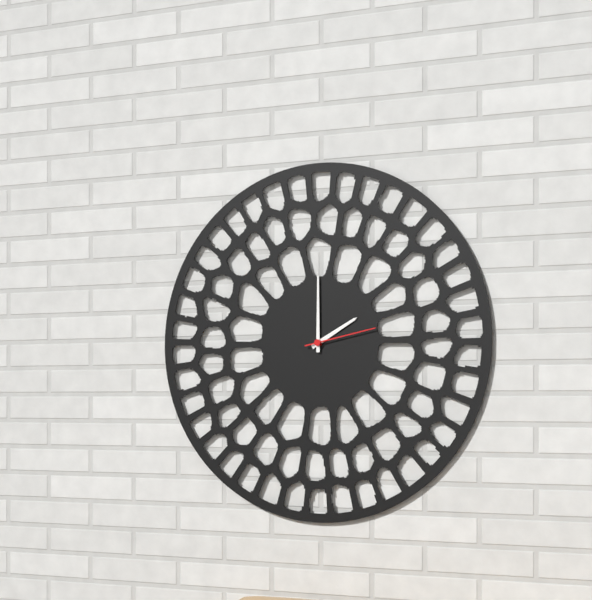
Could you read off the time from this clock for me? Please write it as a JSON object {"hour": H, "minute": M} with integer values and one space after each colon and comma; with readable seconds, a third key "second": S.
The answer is {"hour": 2, "minute": 0, "second": 13}
